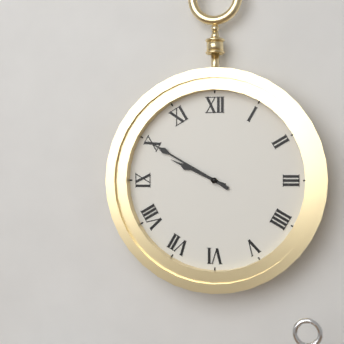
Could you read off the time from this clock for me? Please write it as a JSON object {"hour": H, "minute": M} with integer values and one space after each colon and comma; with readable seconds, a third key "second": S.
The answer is {"hour": 9, "minute": 50}
